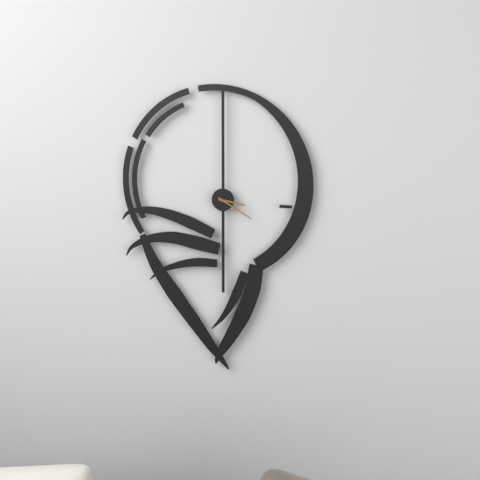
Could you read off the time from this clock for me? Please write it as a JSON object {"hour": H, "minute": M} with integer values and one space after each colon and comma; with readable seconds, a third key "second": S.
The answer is {"hour": 3, "minute": 20}
